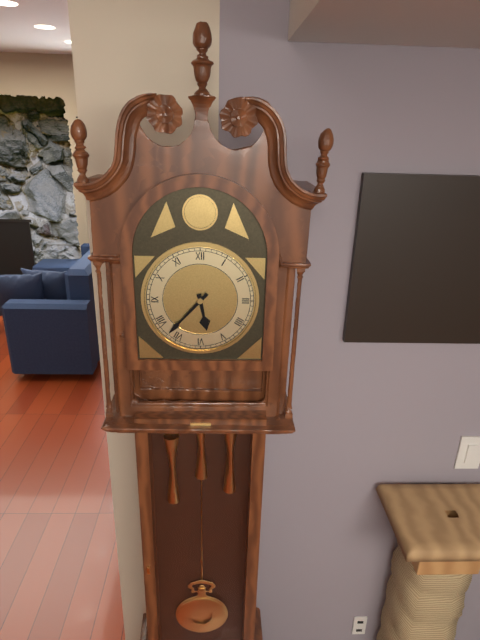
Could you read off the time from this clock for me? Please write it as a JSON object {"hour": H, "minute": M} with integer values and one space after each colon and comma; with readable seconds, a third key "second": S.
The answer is {"hour": 5, "minute": 37}
